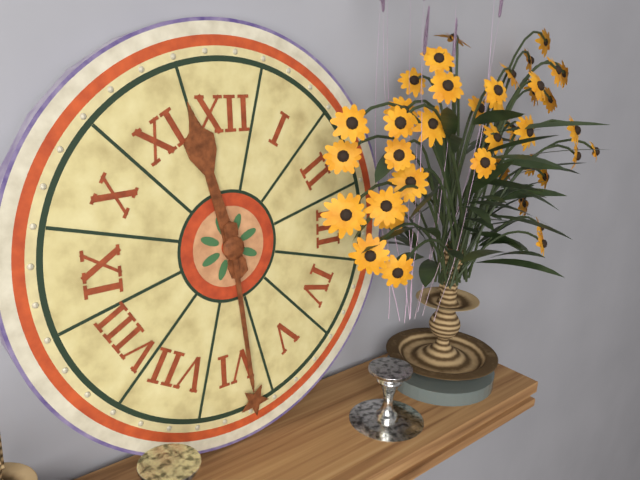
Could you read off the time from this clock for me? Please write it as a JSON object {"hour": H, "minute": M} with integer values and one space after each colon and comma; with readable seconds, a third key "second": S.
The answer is {"hour": 11, "minute": 29}
